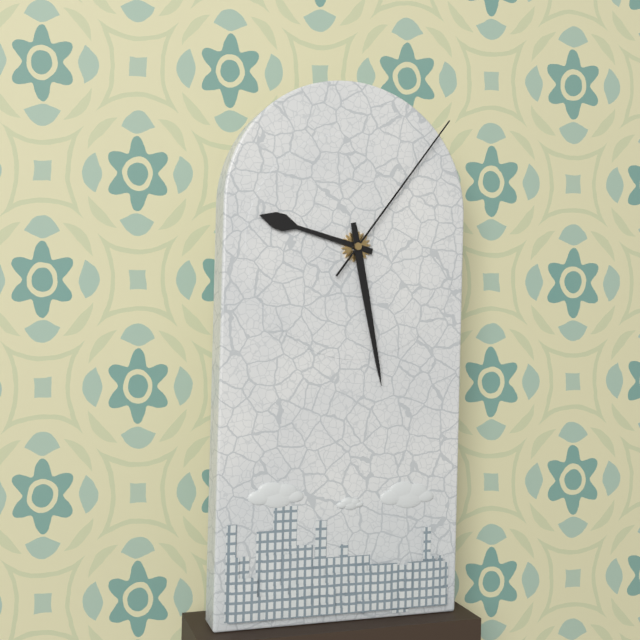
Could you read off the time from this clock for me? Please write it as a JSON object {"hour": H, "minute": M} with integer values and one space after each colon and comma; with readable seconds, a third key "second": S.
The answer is {"hour": 9, "minute": 28, "second": 6}
